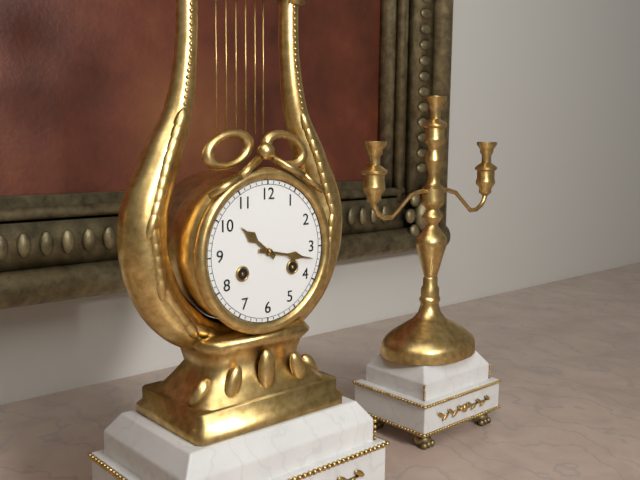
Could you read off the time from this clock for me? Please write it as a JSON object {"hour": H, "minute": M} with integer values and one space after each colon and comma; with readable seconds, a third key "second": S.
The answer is {"hour": 10, "minute": 17}
